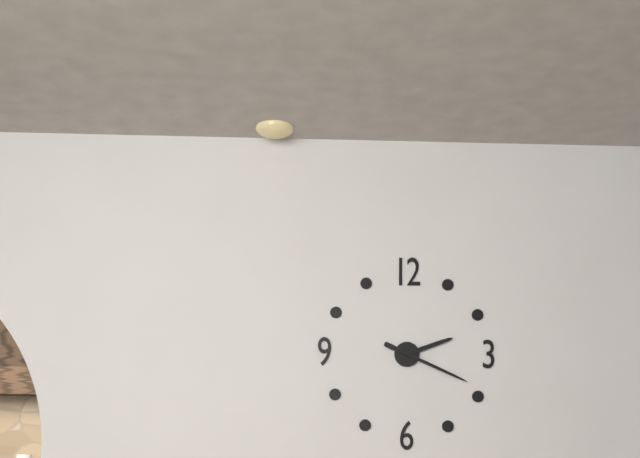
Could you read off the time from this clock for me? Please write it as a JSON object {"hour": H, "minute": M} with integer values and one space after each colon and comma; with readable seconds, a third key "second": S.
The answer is {"hour": 2, "minute": 19}
